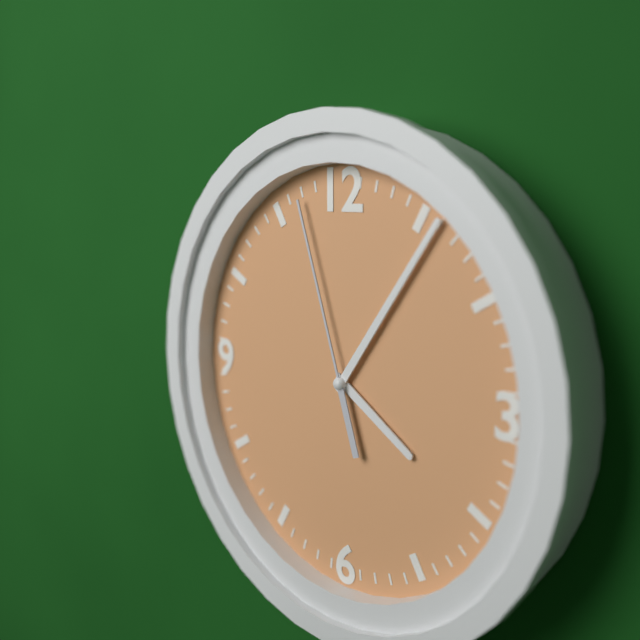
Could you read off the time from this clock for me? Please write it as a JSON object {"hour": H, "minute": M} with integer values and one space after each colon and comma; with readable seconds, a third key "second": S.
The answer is {"hour": 4, "minute": 6, "second": 57}
